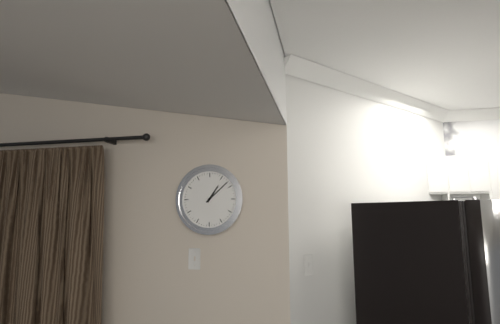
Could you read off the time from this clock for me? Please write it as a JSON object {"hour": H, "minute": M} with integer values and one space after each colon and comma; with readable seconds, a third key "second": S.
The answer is {"hour": 1, "minute": 8}
